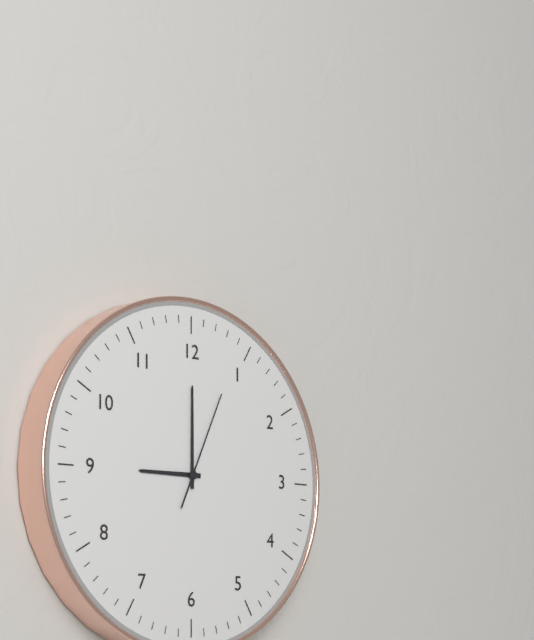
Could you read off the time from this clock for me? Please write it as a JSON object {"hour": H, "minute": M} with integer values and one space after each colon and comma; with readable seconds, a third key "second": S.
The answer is {"hour": 9, "minute": 0, "second": 4}
